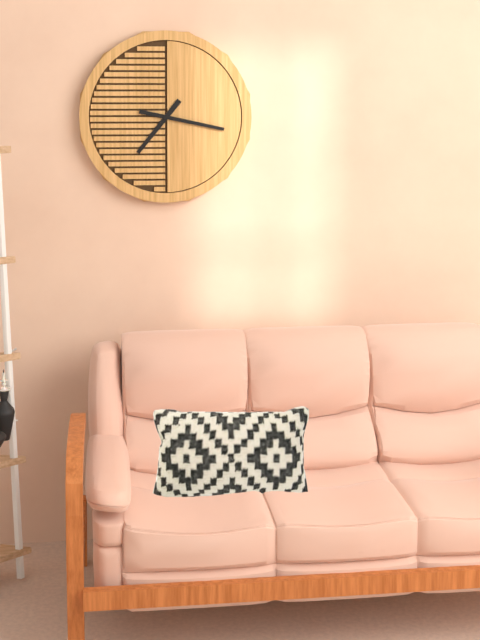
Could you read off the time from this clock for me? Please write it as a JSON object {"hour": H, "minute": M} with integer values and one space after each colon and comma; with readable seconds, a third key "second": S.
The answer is {"hour": 7, "minute": 17}
